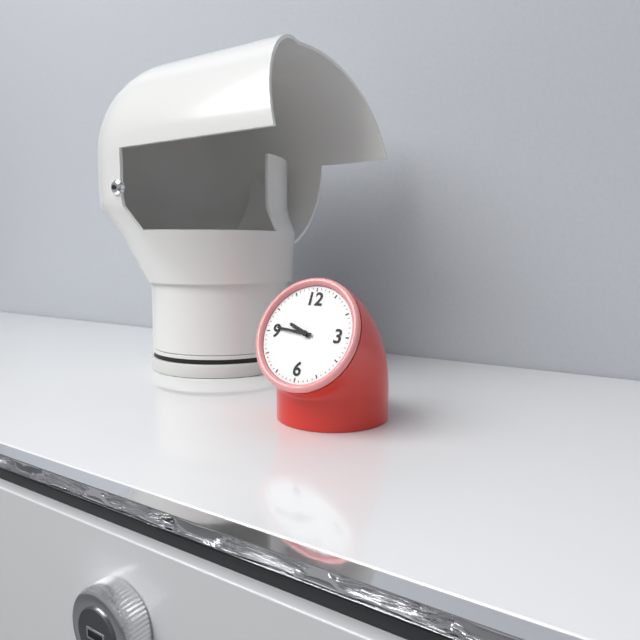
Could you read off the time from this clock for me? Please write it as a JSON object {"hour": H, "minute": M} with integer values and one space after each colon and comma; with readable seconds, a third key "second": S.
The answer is {"hour": 9, "minute": 46}
